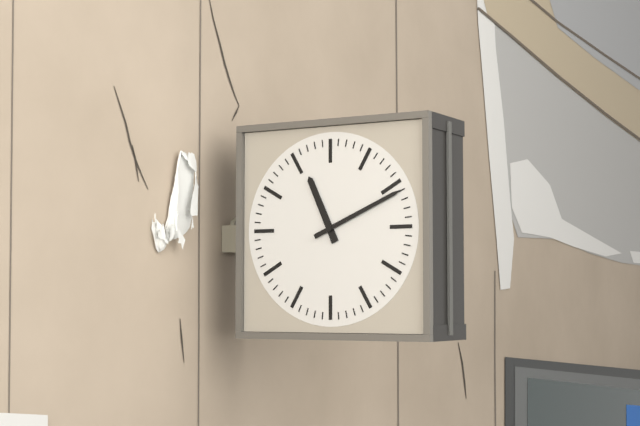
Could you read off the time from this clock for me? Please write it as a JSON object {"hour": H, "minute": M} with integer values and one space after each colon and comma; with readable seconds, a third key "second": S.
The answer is {"hour": 11, "minute": 11}
